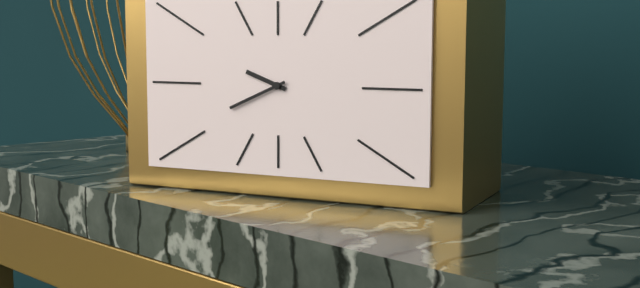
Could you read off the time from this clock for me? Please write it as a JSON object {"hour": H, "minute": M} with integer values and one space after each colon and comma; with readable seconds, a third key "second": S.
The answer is {"hour": 9, "minute": 41}
